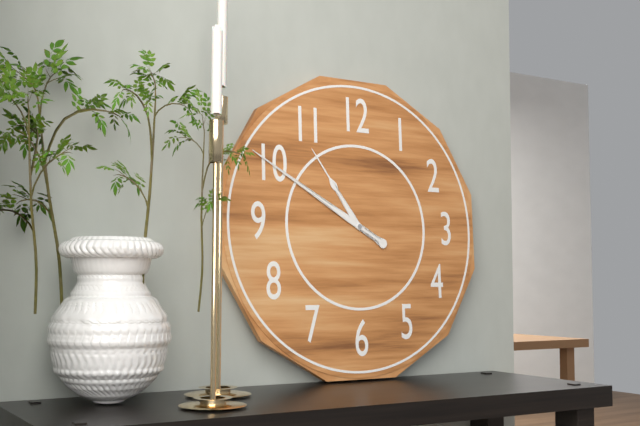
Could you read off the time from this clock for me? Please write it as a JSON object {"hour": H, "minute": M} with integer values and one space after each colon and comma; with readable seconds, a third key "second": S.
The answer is {"hour": 10, "minute": 50}
